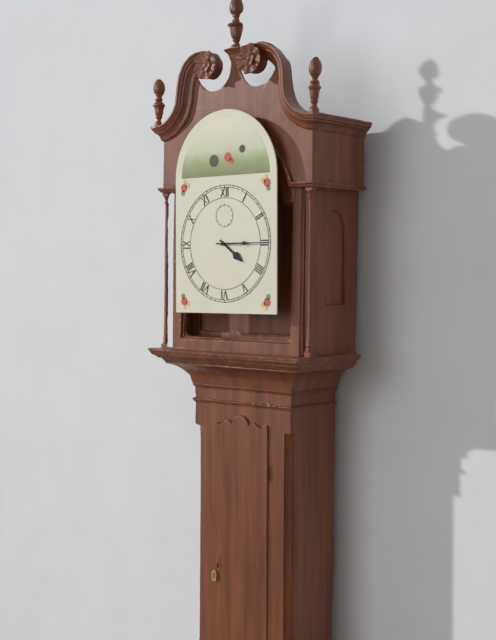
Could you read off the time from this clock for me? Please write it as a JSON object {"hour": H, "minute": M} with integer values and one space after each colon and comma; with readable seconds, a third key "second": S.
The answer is {"hour": 4, "minute": 15}
